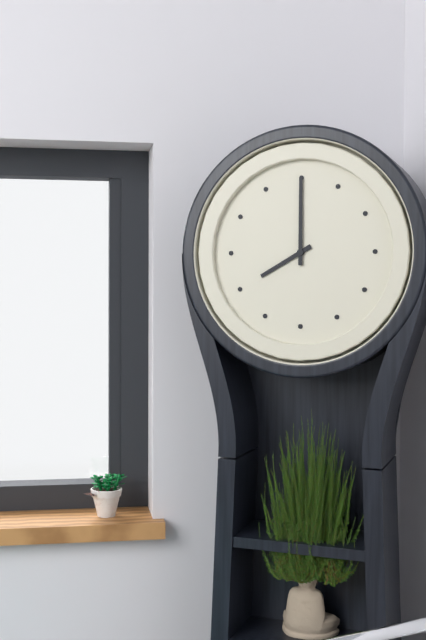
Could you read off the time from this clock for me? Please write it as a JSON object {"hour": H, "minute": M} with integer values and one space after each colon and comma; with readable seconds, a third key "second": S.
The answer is {"hour": 8, "minute": 0}
